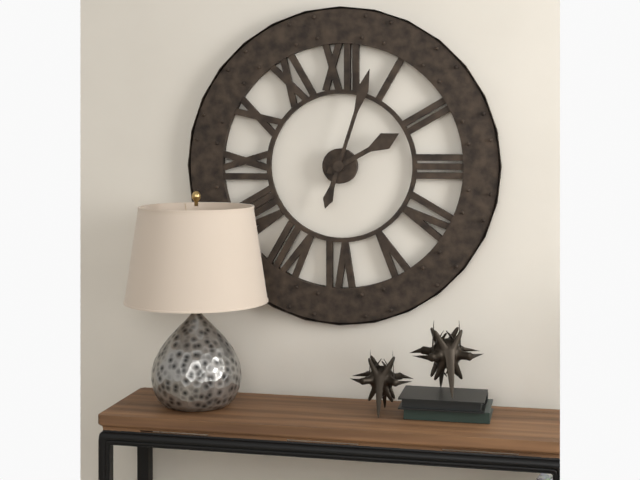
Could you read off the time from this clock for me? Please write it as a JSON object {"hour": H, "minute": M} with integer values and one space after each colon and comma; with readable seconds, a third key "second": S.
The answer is {"hour": 2, "minute": 3}
